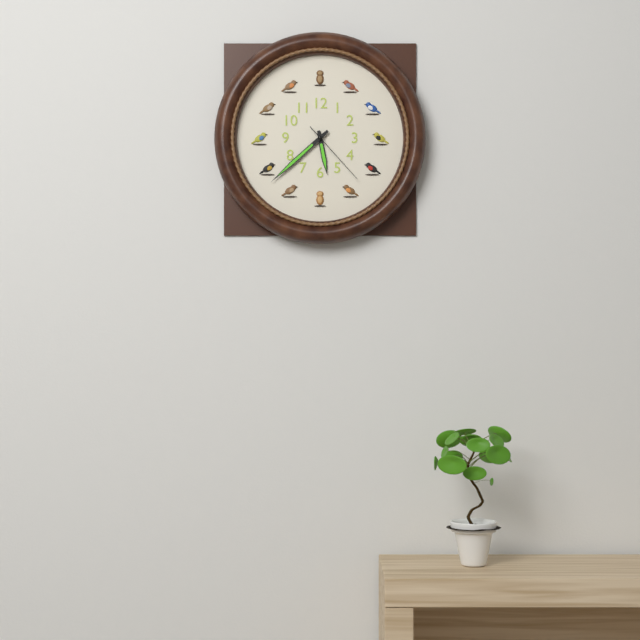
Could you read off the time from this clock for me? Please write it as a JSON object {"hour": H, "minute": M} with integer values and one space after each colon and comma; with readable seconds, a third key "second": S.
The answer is {"hour": 5, "minute": 38, "second": 23}
